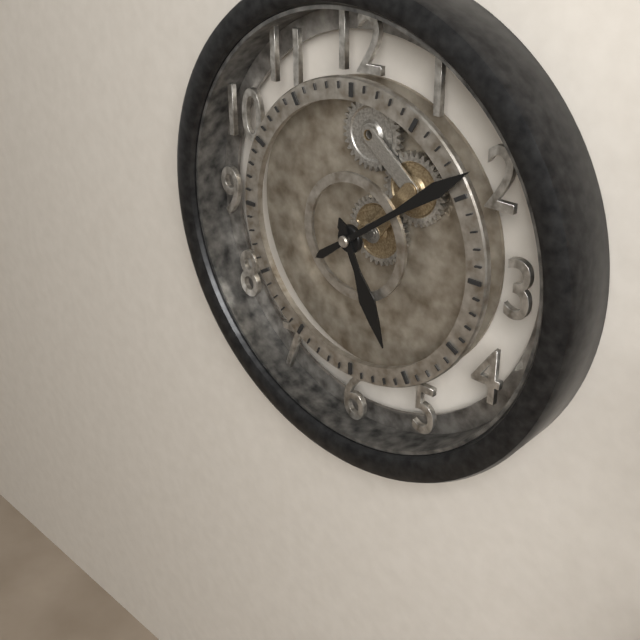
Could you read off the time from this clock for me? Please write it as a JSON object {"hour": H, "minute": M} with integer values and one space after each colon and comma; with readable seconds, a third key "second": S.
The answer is {"hour": 5, "minute": 9}
